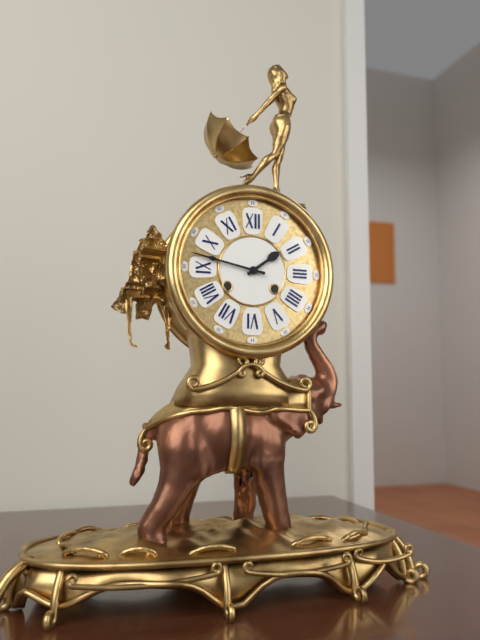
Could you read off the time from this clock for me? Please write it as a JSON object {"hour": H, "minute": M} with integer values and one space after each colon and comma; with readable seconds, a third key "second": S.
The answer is {"hour": 1, "minute": 47}
